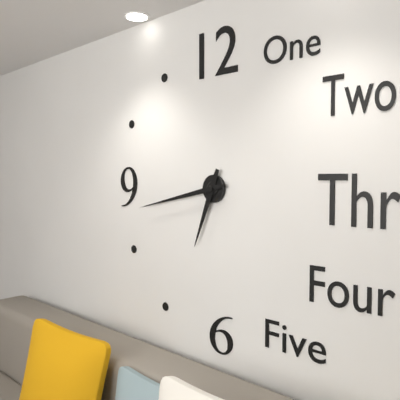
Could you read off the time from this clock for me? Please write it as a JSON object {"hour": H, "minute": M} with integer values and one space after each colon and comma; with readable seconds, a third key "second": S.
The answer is {"hour": 6, "minute": 43}
